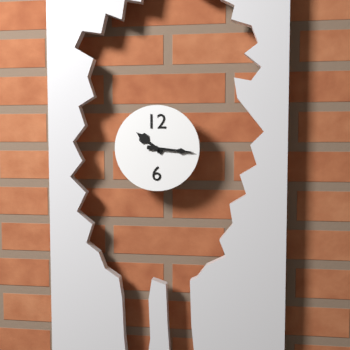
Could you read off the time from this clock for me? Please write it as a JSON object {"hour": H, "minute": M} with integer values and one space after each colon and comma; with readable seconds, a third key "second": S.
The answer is {"hour": 10, "minute": 16}
